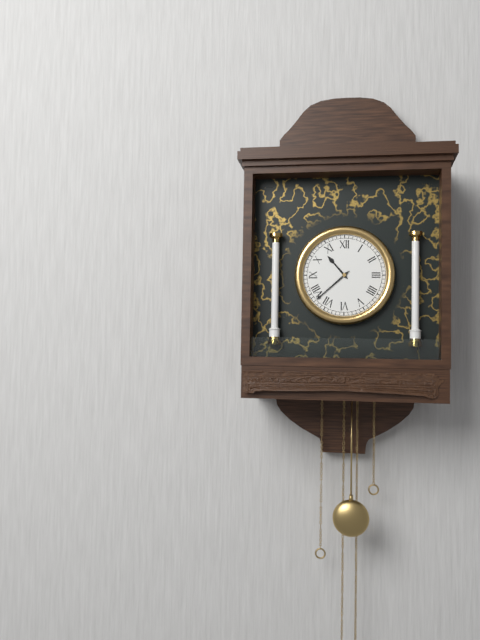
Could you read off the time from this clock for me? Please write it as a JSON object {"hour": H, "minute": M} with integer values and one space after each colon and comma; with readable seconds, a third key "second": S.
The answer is {"hour": 10, "minute": 38}
